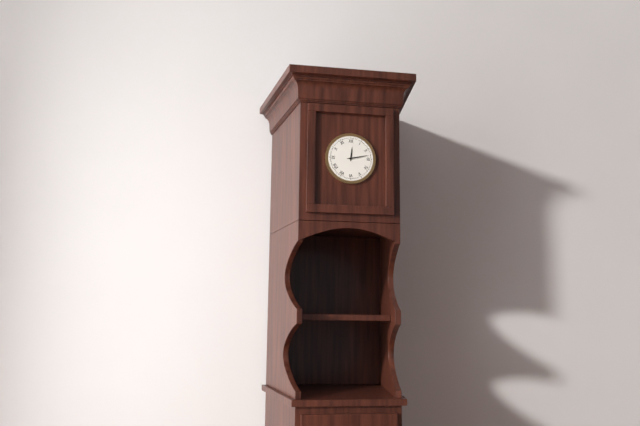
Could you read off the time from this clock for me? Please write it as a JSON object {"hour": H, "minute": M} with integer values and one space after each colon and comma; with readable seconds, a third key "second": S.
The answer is {"hour": 12, "minute": 13}
